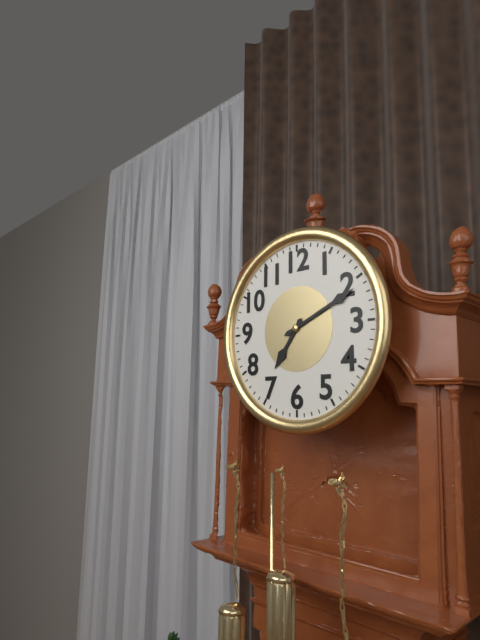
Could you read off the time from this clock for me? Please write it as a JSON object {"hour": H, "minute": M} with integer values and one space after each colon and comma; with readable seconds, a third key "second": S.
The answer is {"hour": 7, "minute": 11}
